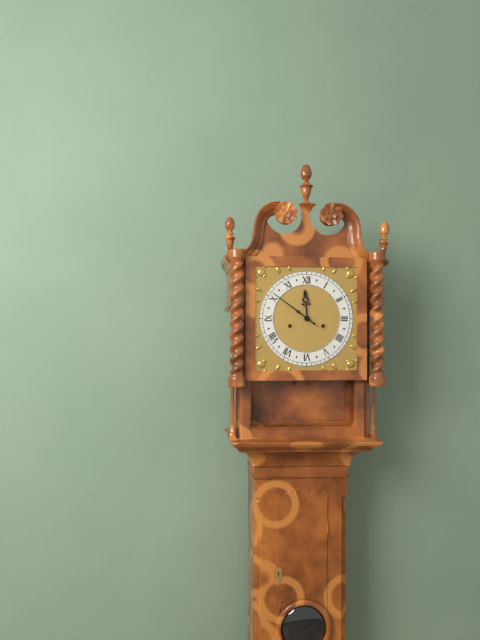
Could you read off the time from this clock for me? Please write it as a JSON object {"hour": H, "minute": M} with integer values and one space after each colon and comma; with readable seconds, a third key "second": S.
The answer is {"hour": 11, "minute": 51}
